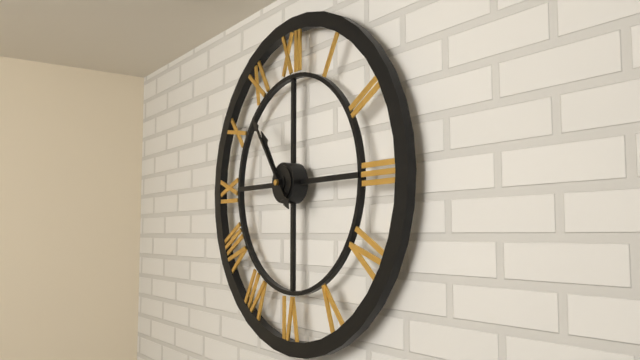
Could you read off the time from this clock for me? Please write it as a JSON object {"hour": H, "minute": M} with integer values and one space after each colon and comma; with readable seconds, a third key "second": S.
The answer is {"hour": 10, "minute": 54}
